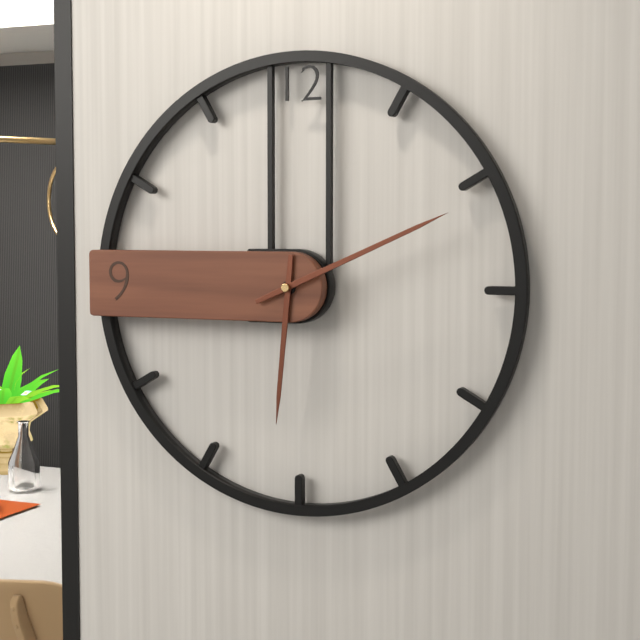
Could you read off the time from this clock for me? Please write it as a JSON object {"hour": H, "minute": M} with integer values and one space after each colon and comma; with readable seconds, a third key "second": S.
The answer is {"hour": 6, "minute": 11}
